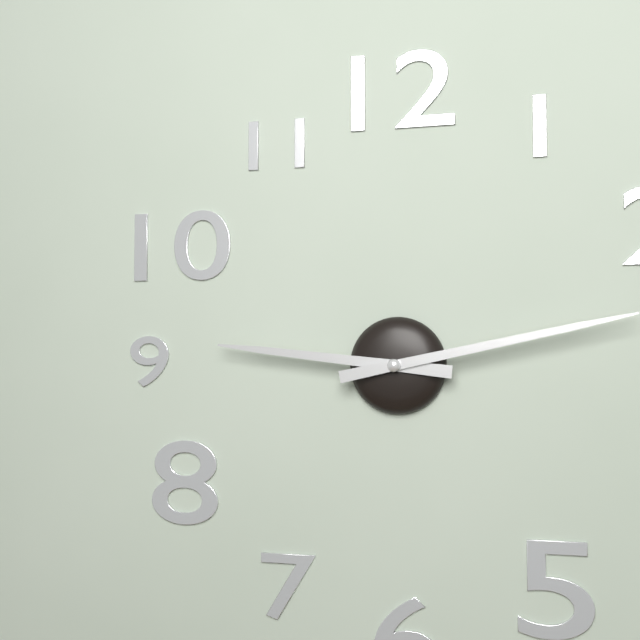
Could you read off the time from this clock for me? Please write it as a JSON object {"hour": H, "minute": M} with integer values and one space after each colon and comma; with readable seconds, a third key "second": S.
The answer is {"hour": 9, "minute": 13}
